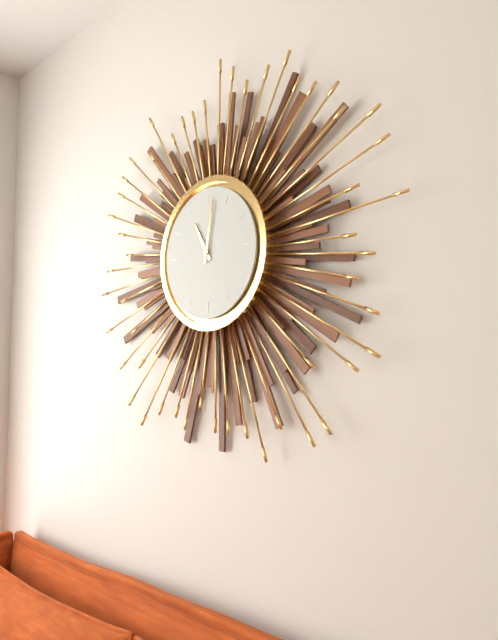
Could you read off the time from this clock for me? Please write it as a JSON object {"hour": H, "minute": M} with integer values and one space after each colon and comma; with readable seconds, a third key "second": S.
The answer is {"hour": 11, "minute": 2}
